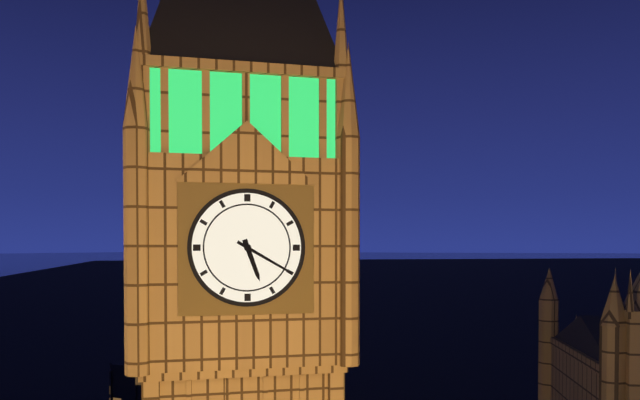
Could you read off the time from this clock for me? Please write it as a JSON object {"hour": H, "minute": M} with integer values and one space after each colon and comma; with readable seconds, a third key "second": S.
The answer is {"hour": 5, "minute": 20}
